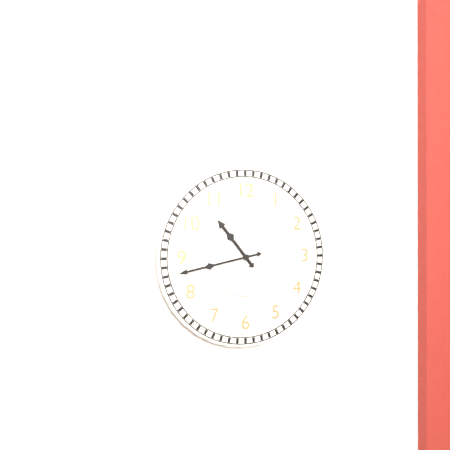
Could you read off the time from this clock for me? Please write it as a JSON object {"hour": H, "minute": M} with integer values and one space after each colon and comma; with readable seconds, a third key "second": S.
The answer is {"hour": 10, "minute": 43}
